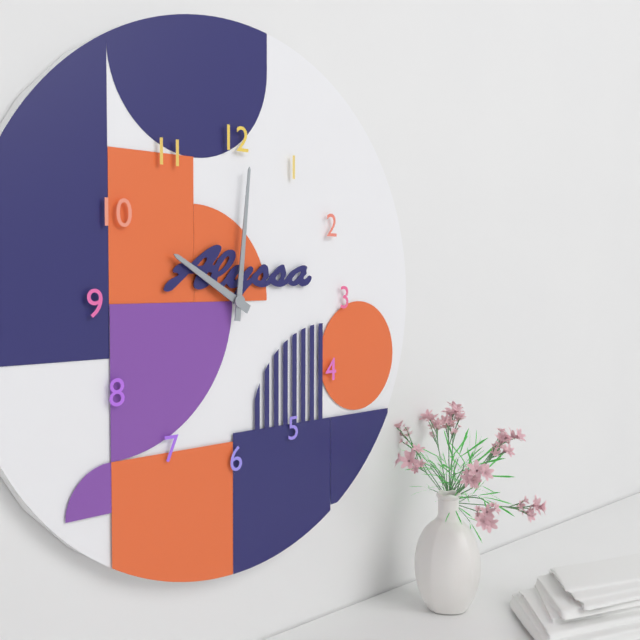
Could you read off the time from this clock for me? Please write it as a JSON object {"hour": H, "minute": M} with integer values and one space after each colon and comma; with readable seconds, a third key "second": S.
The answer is {"hour": 10, "minute": 1}
